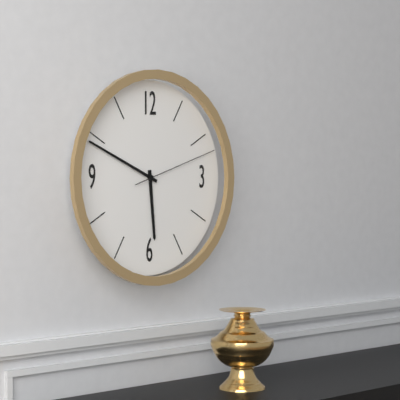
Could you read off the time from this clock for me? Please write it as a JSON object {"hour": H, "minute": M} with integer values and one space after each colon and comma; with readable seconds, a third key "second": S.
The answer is {"hour": 5, "minute": 49, "second": 12}
